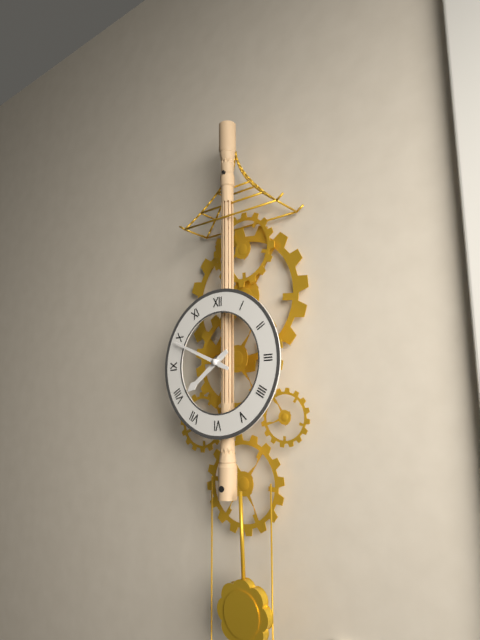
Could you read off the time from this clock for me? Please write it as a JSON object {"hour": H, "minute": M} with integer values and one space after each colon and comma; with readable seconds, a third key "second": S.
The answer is {"hour": 7, "minute": 49}
